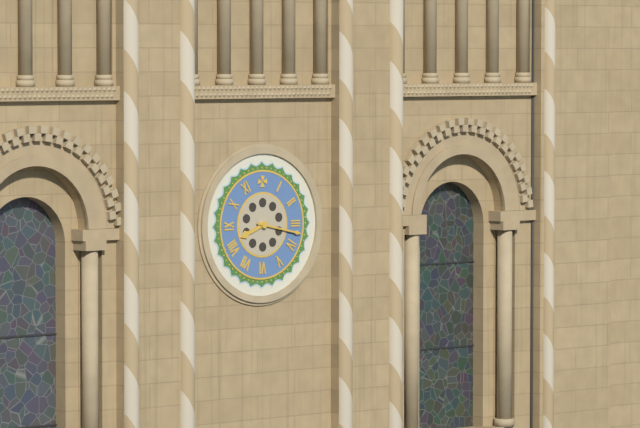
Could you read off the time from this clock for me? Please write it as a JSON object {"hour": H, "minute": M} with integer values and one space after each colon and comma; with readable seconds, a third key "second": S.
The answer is {"hour": 8, "minute": 17}
